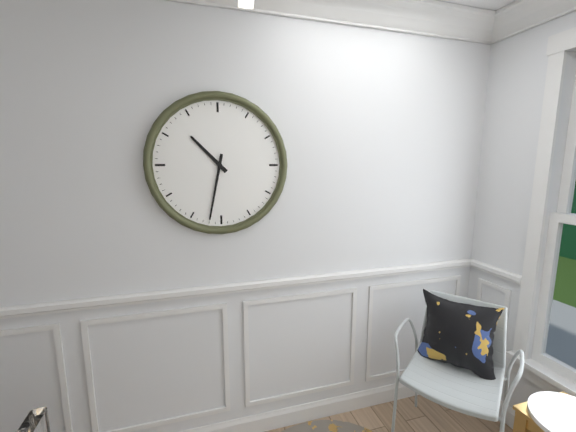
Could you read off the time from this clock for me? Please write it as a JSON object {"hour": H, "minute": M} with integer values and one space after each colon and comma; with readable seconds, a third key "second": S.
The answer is {"hour": 10, "minute": 32}
